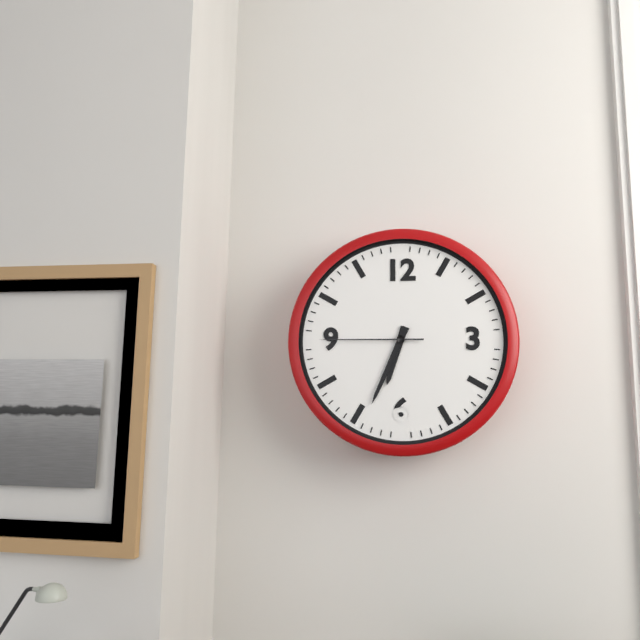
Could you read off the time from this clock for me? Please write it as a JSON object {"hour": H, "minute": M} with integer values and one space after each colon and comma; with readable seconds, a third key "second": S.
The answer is {"hour": 6, "minute": 34, "second": 45}
